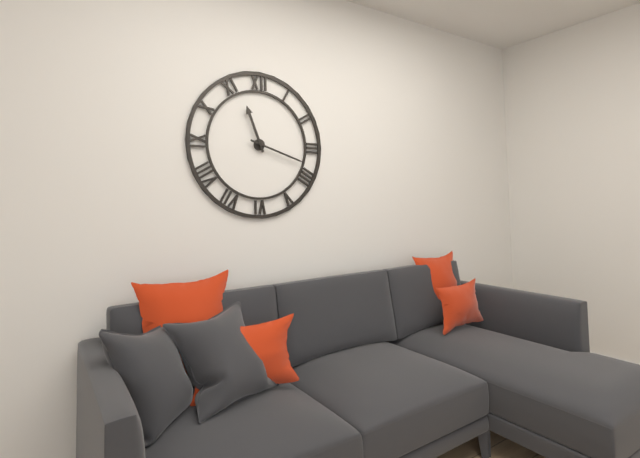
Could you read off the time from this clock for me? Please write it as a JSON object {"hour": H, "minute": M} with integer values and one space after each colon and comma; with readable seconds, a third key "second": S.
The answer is {"hour": 11, "minute": 18}
